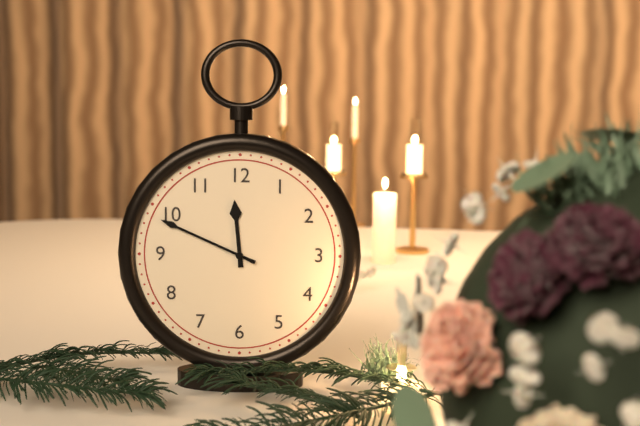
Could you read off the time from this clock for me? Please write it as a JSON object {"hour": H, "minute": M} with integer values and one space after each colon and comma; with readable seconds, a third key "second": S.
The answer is {"hour": 11, "minute": 49}
